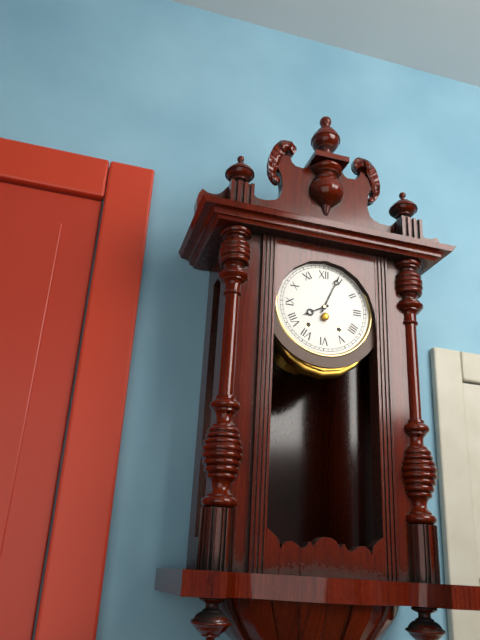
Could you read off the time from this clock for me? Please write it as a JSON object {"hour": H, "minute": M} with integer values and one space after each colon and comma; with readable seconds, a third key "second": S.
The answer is {"hour": 8, "minute": 4}
